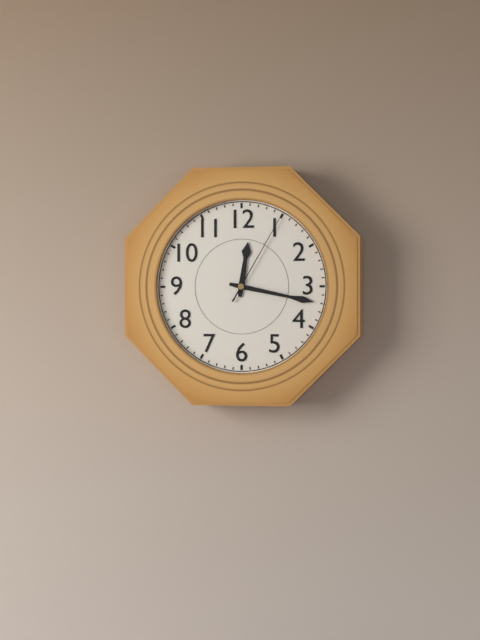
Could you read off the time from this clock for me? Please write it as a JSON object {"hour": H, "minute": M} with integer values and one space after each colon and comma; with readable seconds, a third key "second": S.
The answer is {"hour": 12, "minute": 17, "second": 5}
